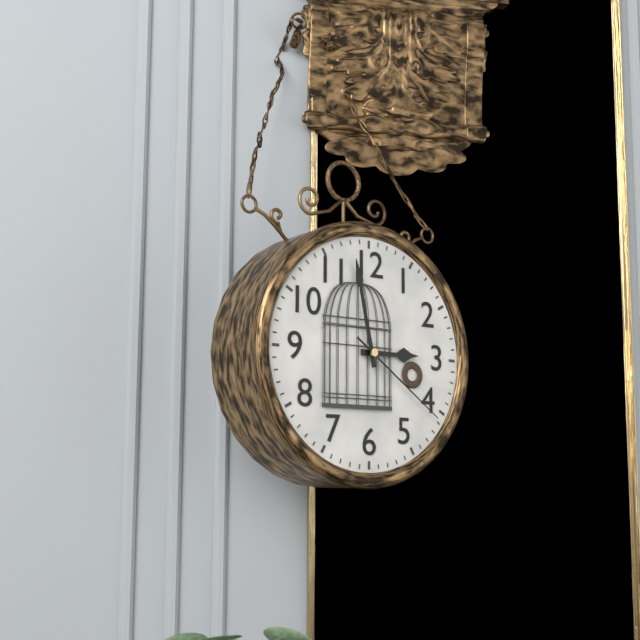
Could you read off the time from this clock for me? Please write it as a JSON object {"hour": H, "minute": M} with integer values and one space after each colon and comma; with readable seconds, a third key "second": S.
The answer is {"hour": 2, "minute": 58, "second": 21}
